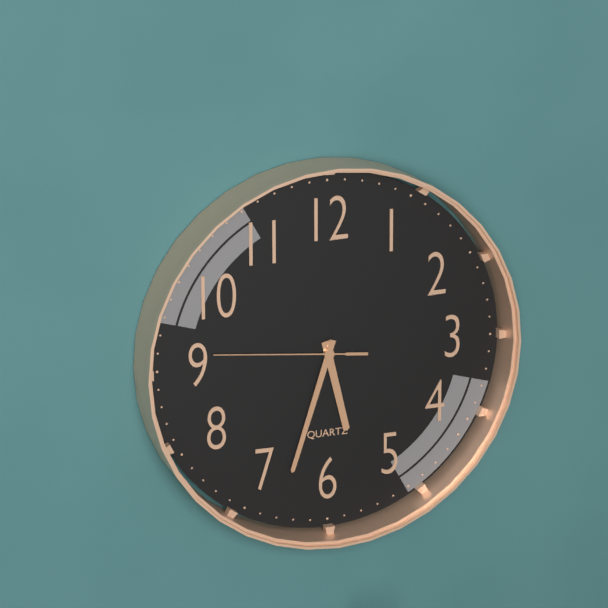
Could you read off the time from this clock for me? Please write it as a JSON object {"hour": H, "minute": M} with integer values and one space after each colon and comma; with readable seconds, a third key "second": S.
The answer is {"hour": 5, "minute": 33, "second": 46}
